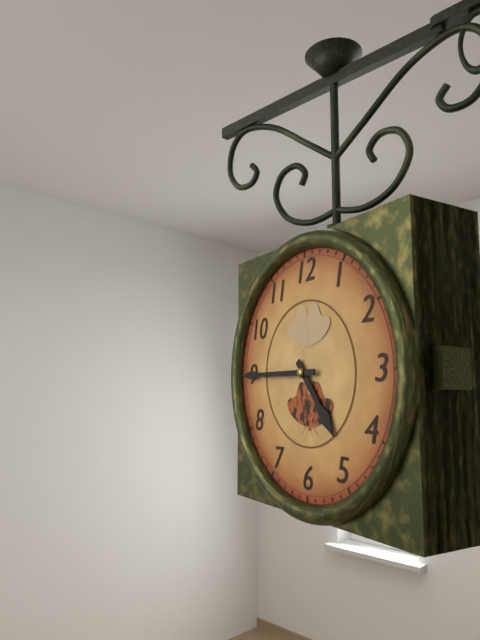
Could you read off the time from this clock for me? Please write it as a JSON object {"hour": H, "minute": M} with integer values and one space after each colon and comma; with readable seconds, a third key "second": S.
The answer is {"hour": 4, "minute": 45}
